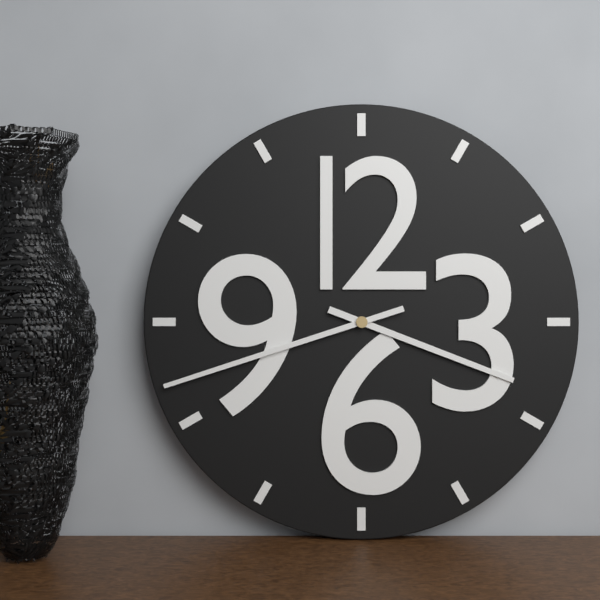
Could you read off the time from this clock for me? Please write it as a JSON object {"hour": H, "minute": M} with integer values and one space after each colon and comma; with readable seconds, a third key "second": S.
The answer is {"hour": 3, "minute": 42}
